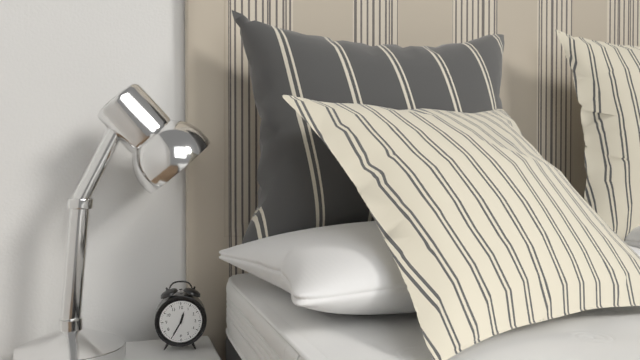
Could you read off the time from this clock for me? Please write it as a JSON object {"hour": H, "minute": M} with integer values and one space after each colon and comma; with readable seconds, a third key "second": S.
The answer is {"hour": 12, "minute": 35}
